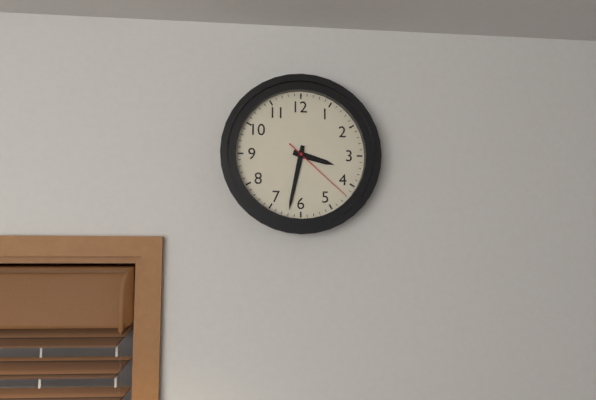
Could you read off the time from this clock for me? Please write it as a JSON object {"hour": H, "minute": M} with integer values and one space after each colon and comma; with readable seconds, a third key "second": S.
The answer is {"hour": 3, "minute": 32, "second": 22}
